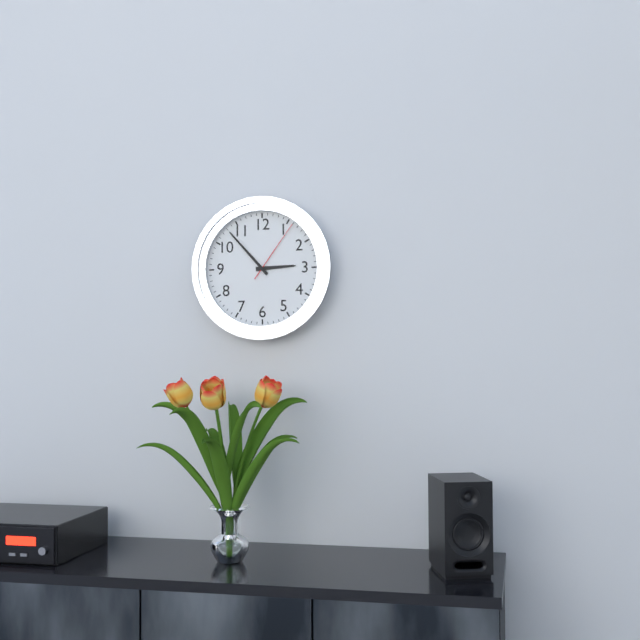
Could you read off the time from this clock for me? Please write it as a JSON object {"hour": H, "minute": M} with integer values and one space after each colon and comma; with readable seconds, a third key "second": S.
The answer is {"hour": 2, "minute": 53, "second": 6}
